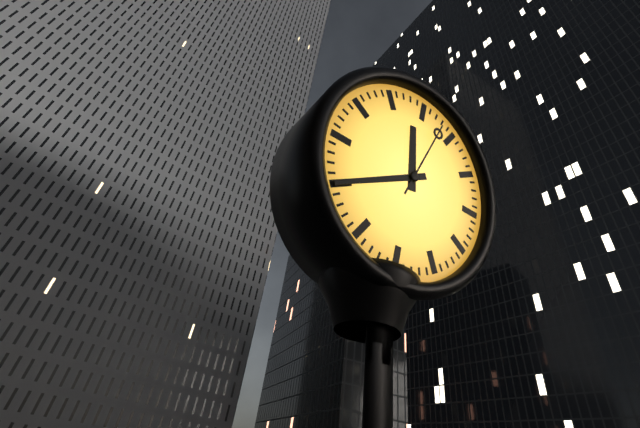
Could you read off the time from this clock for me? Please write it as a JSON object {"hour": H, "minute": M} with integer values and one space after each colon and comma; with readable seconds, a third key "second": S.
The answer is {"hour": 11, "minute": 40, "second": 3}
